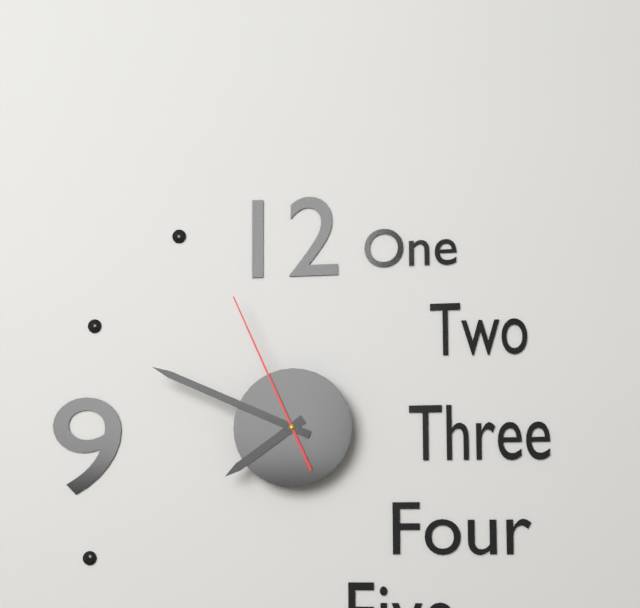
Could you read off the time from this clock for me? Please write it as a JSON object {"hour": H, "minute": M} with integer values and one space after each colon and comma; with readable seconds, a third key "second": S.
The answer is {"hour": 7, "minute": 49, "second": 56}
